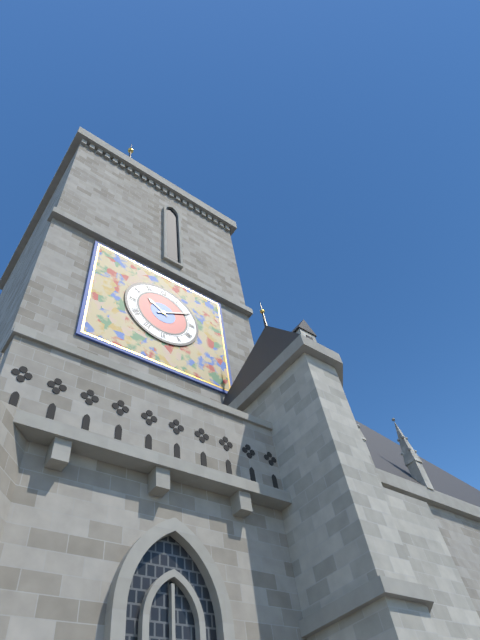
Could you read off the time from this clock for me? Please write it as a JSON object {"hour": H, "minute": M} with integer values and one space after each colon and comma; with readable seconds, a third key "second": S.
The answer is {"hour": 10, "minute": 10}
